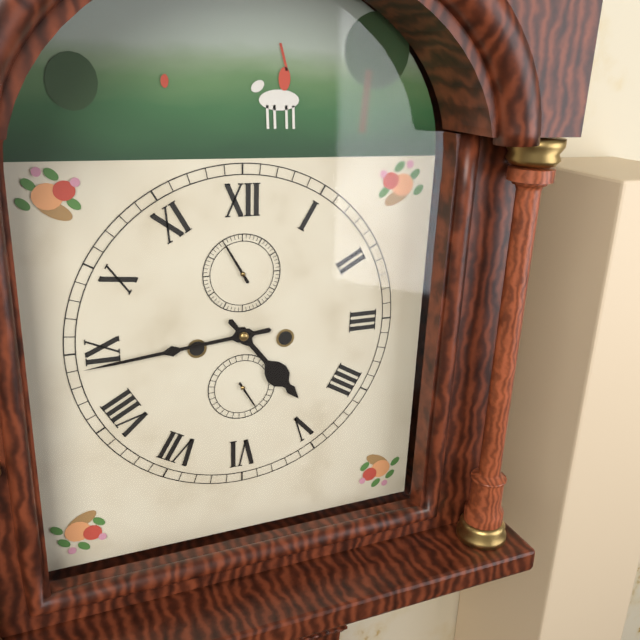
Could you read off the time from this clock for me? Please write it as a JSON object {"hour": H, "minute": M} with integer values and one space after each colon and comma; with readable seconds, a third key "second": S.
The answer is {"hour": 4, "minute": 44}
